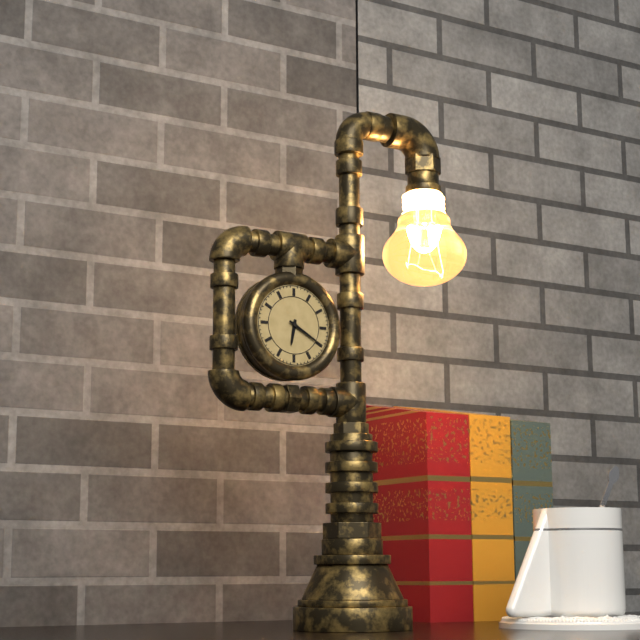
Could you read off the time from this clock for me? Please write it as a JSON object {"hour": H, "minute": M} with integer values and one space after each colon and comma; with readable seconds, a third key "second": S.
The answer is {"hour": 6, "minute": 20}
